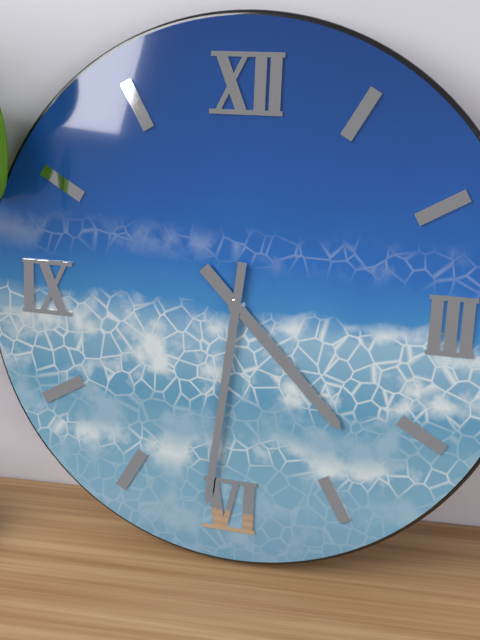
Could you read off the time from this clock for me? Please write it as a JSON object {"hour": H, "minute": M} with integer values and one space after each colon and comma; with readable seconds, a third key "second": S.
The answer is {"hour": 4, "minute": 31}
